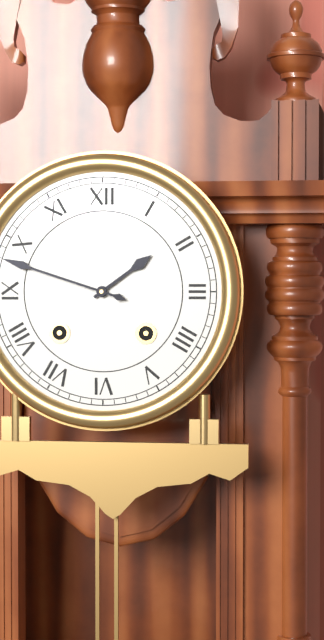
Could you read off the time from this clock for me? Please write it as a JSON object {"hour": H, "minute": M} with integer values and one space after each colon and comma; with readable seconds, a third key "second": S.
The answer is {"hour": 1, "minute": 48}
